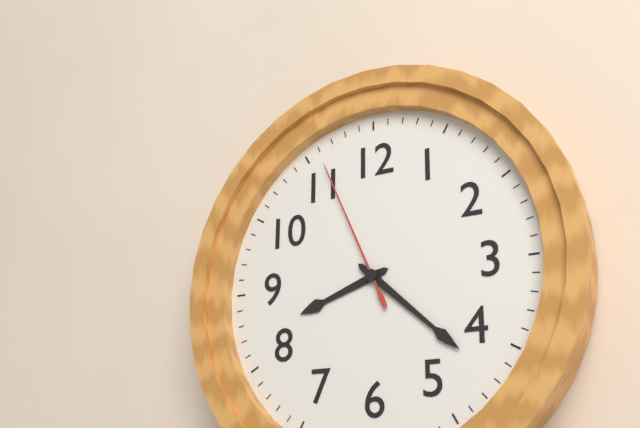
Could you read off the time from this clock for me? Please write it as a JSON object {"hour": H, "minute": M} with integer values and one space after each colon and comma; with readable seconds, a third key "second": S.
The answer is {"hour": 8, "minute": 22, "second": 56}
